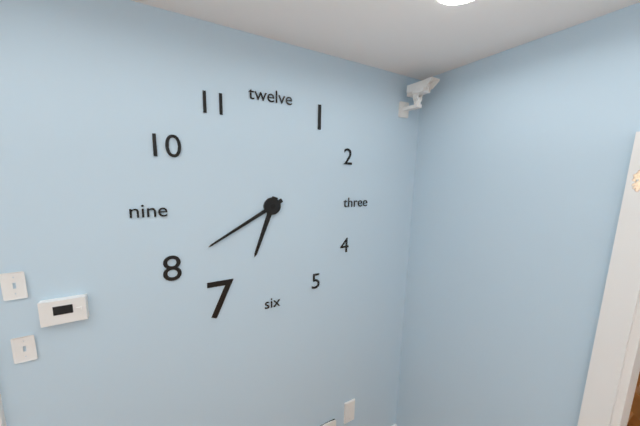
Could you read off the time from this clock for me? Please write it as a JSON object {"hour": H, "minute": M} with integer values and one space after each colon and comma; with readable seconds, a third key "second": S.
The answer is {"hour": 6, "minute": 40}
